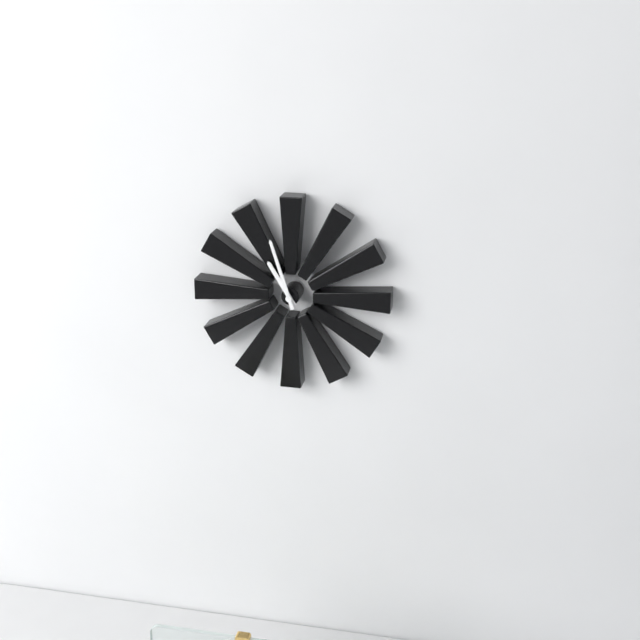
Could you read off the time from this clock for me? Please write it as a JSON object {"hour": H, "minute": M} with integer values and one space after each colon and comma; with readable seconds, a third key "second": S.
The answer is {"hour": 10, "minute": 57}
